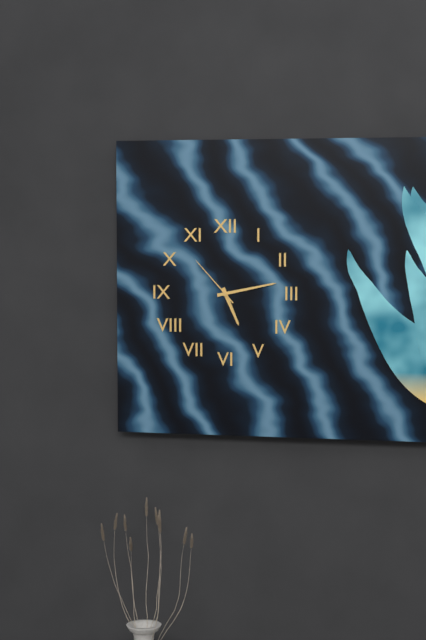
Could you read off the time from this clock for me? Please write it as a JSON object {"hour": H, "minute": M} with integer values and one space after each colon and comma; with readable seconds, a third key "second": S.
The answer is {"hour": 5, "minute": 13, "second": 53}
